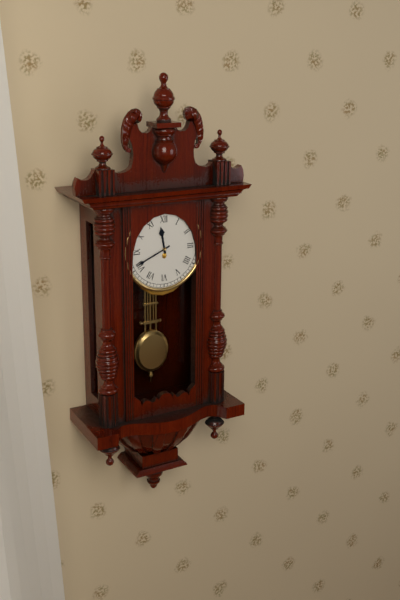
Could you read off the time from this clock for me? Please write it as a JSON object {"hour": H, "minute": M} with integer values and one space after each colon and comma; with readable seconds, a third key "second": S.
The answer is {"hour": 11, "minute": 41}
